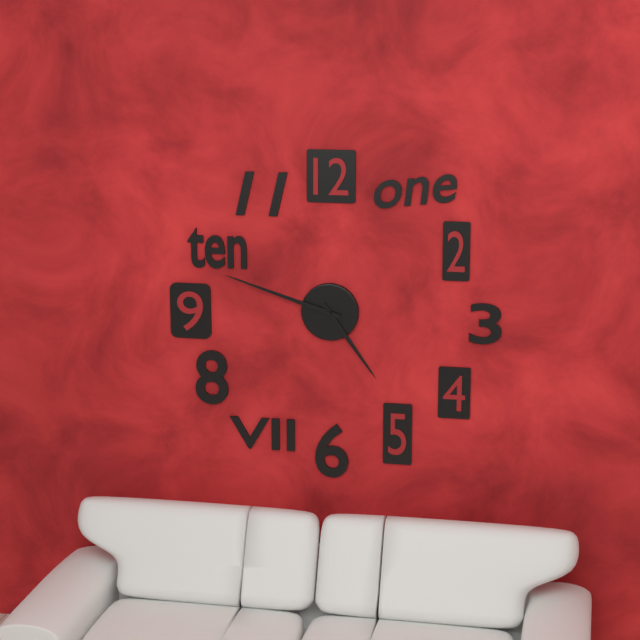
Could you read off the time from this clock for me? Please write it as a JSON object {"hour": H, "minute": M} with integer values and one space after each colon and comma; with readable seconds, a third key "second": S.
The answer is {"hour": 4, "minute": 48}
